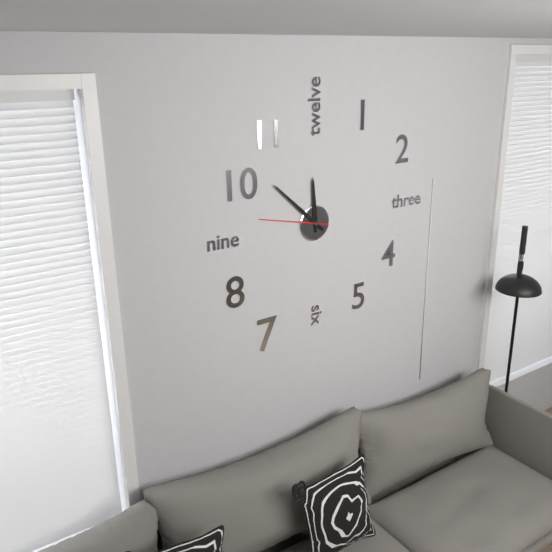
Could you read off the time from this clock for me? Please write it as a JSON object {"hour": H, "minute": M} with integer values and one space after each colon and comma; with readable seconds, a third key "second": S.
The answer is {"hour": 11, "minute": 52, "second": 47}
